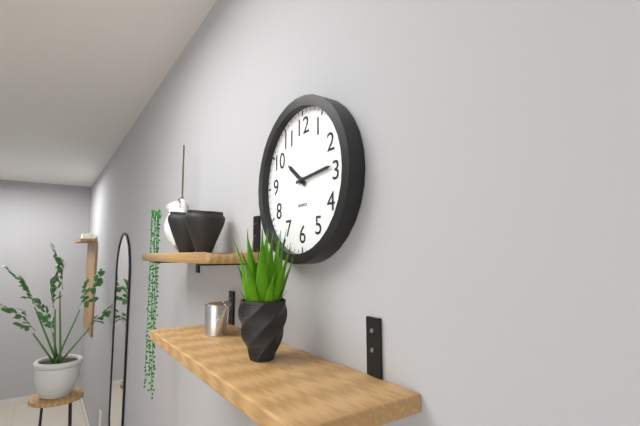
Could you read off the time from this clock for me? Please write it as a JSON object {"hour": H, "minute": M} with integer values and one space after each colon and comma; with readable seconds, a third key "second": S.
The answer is {"hour": 10, "minute": 14}
